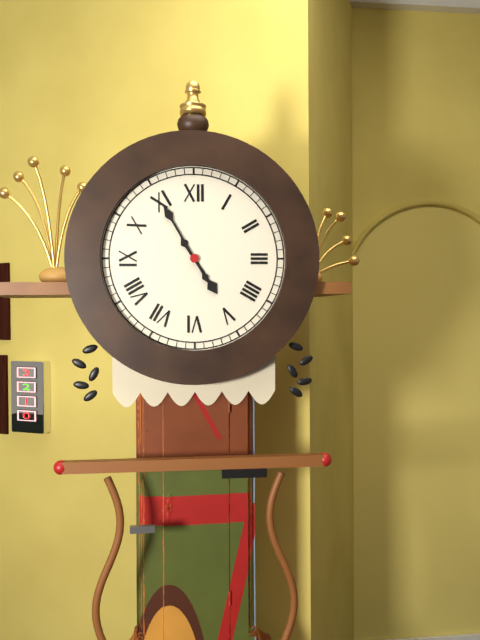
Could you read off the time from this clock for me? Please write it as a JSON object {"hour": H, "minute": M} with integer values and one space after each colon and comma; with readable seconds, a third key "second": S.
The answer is {"hour": 4, "minute": 55}
